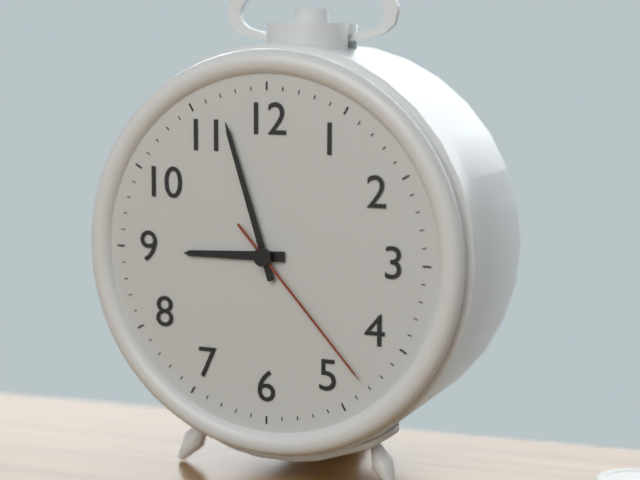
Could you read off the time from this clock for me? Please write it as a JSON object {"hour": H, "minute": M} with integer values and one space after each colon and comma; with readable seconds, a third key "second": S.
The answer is {"hour": 8, "minute": 57, "second": 23}
